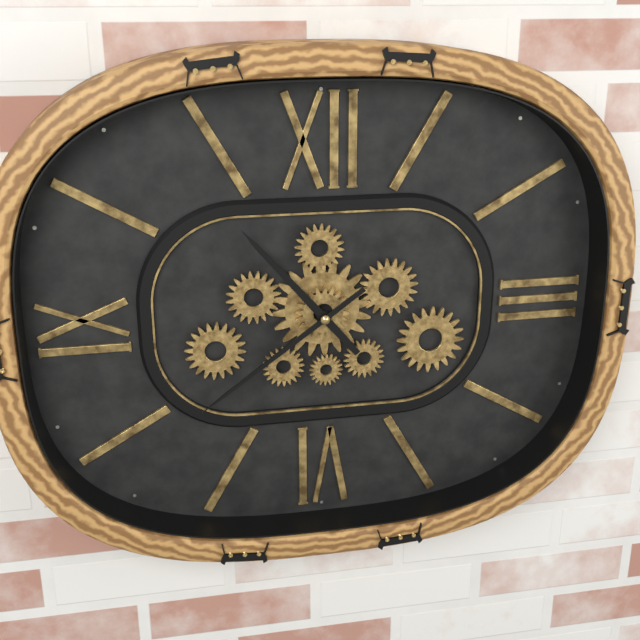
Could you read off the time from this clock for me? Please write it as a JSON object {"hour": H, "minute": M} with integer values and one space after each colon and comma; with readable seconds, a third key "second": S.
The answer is {"hour": 10, "minute": 39}
